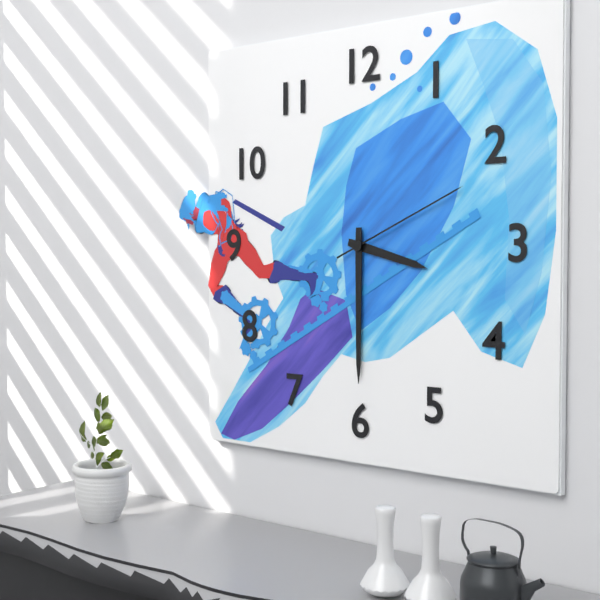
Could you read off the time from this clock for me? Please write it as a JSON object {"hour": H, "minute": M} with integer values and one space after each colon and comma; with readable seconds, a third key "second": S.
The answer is {"hour": 3, "minute": 30, "second": 11}
